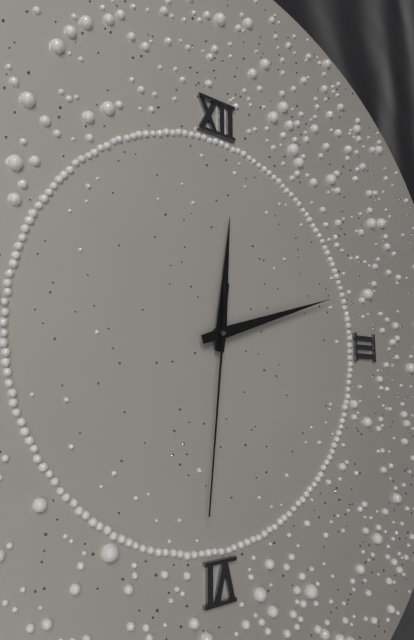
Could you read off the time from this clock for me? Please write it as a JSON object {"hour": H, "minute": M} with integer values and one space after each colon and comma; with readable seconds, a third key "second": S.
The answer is {"hour": 12, "minute": 12, "second": 31}
